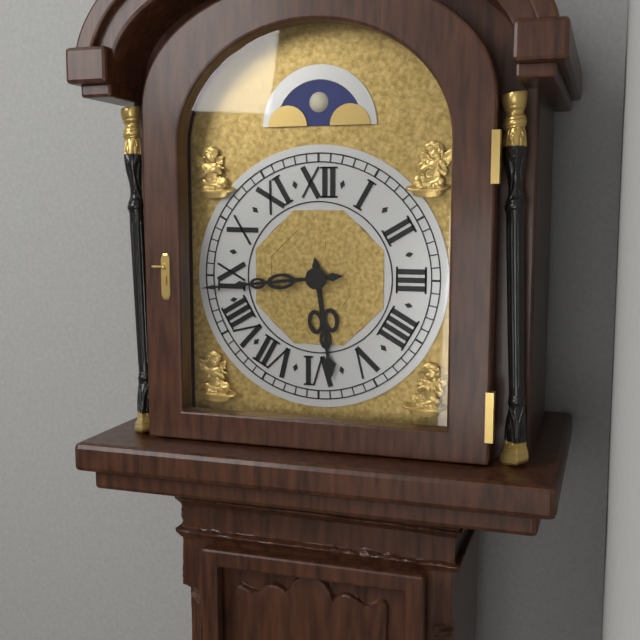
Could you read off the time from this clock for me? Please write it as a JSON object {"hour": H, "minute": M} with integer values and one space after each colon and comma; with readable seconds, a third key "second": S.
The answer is {"hour": 5, "minute": 44}
